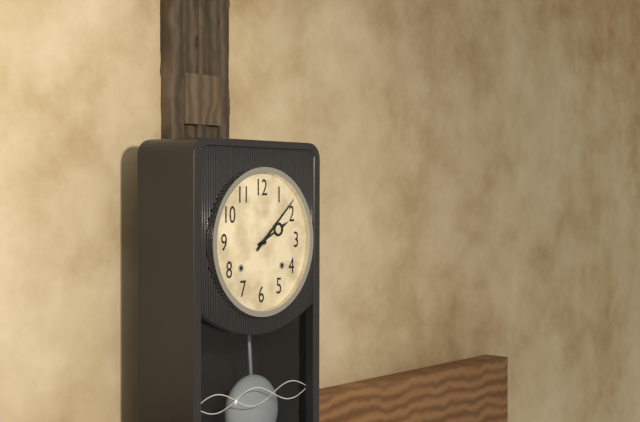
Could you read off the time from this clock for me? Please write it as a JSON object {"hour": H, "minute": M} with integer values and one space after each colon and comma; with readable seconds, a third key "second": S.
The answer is {"hour": 2, "minute": 8}
